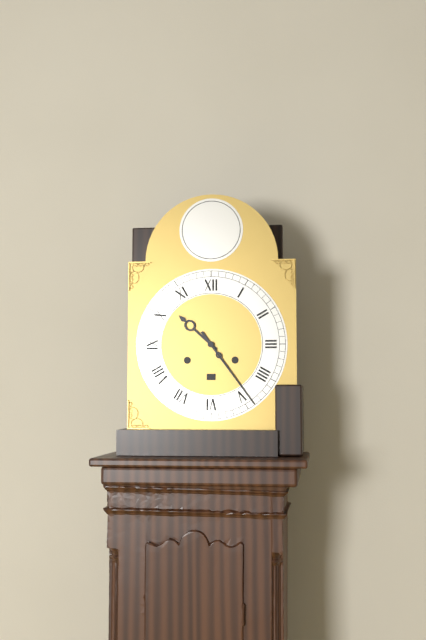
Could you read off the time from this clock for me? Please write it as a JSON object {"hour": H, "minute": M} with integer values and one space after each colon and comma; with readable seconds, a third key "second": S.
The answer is {"hour": 10, "minute": 24}
